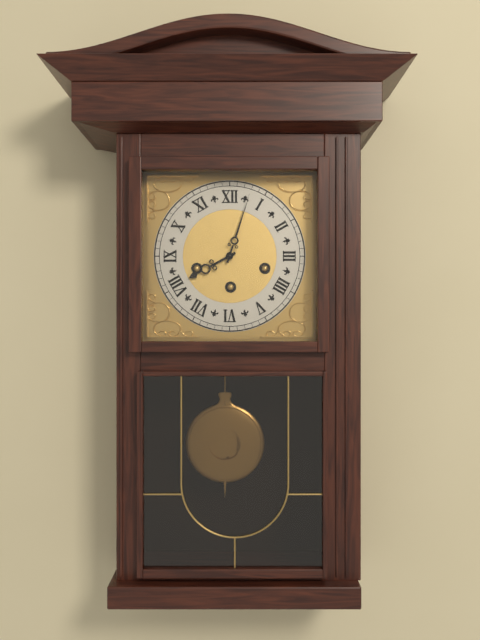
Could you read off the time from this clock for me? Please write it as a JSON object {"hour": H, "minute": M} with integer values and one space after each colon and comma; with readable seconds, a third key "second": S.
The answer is {"hour": 8, "minute": 3}
